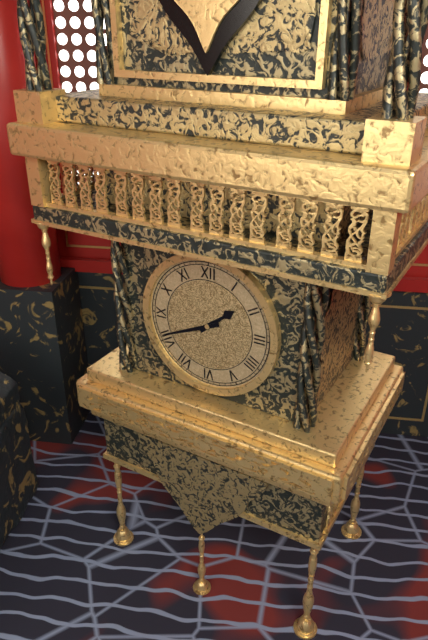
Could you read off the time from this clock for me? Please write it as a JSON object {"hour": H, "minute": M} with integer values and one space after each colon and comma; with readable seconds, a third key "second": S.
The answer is {"hour": 1, "minute": 41}
